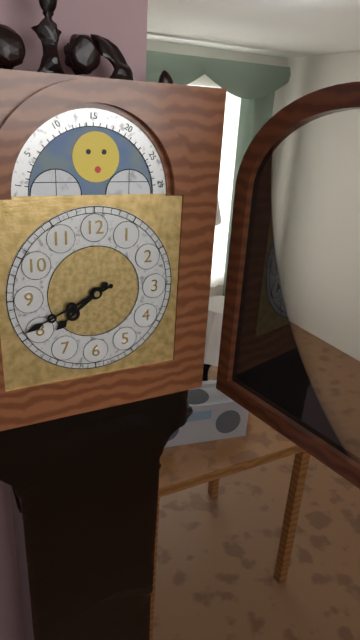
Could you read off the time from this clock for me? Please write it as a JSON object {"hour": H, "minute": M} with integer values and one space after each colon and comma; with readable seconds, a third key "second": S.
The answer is {"hour": 7, "minute": 41}
